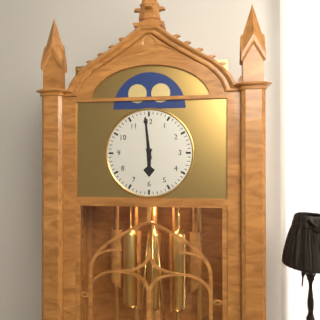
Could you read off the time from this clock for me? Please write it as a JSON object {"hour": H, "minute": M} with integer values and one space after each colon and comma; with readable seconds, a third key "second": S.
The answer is {"hour": 5, "minute": 59}
